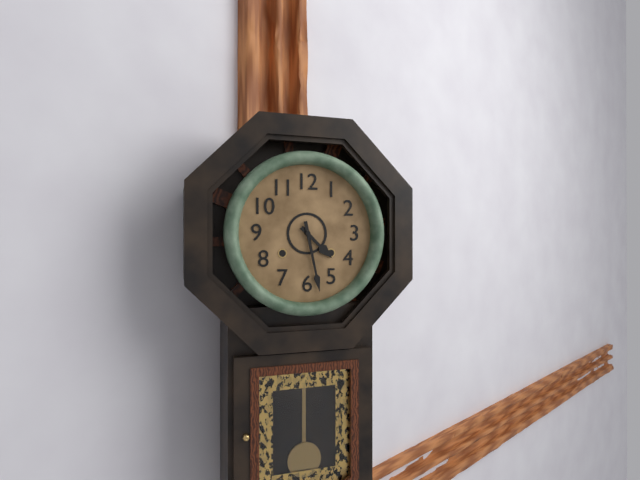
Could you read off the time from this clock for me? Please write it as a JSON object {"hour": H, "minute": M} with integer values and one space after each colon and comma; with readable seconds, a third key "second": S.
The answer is {"hour": 4, "minute": 28}
